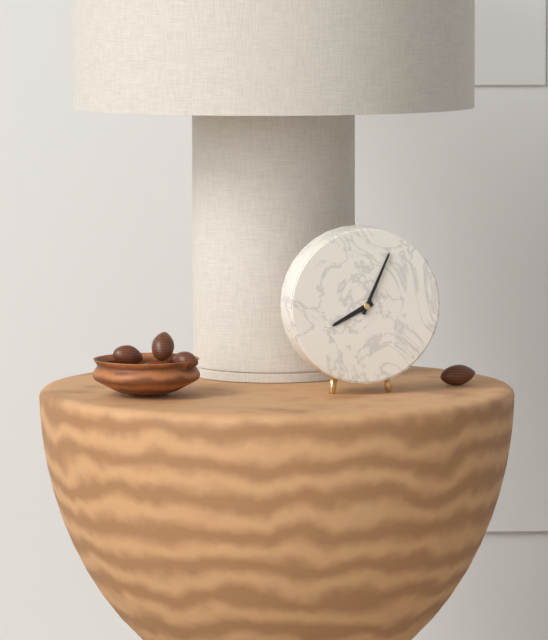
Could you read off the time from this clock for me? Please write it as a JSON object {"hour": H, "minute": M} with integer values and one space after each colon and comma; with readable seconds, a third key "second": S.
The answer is {"hour": 8, "minute": 4}
